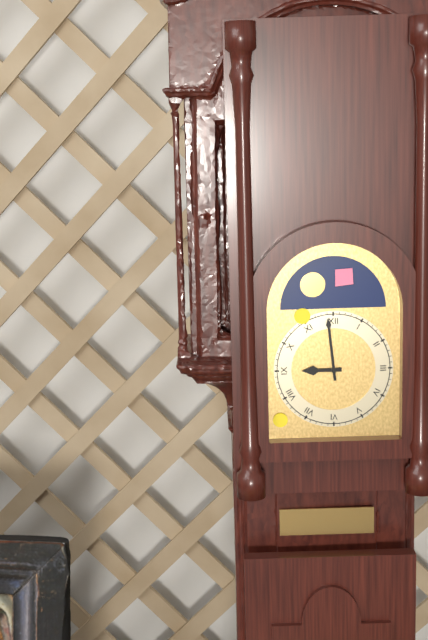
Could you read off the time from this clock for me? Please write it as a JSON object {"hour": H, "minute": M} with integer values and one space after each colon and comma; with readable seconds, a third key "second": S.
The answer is {"hour": 8, "minute": 59}
